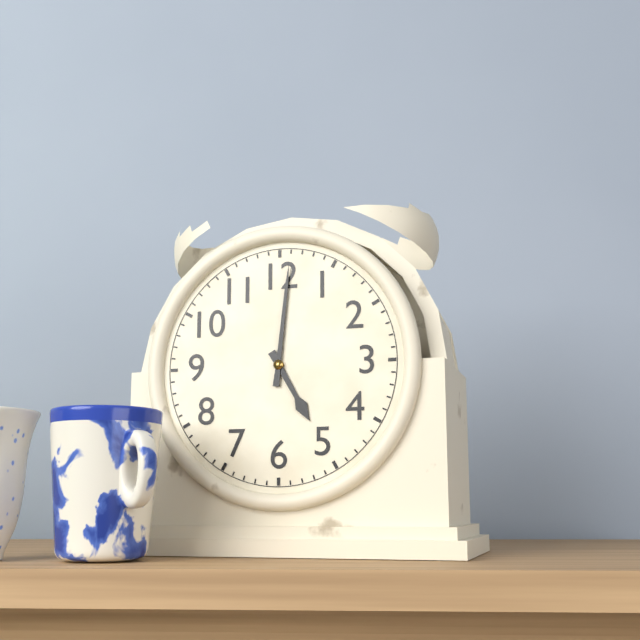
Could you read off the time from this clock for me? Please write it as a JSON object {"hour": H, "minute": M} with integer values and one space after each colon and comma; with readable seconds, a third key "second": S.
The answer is {"hour": 5, "minute": 1}
